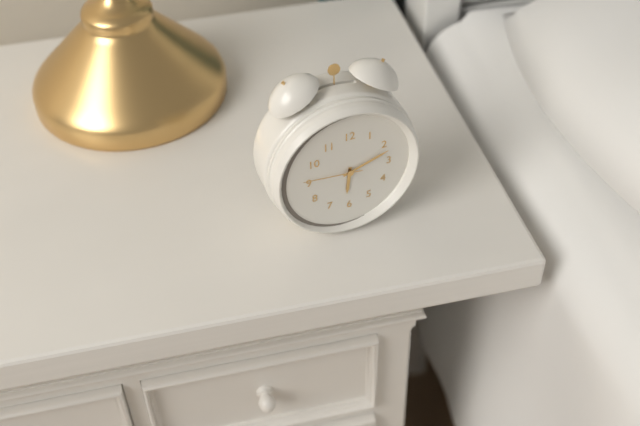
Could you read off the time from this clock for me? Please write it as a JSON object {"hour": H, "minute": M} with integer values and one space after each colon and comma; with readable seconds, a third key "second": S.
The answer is {"hour": 6, "minute": 12, "second": 46}
